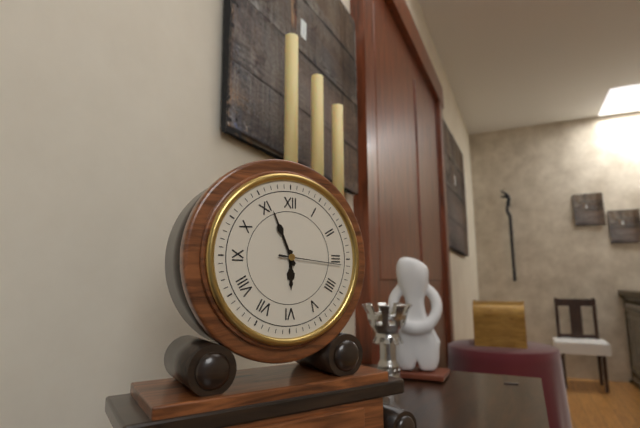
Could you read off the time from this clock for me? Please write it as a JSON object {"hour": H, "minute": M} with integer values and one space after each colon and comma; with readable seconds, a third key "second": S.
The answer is {"hour": 5, "minute": 56, "second": 16}
